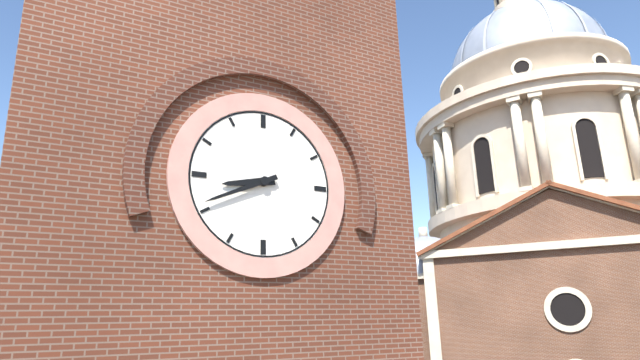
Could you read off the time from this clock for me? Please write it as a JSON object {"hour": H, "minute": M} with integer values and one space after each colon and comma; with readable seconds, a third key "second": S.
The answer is {"hour": 8, "minute": 41}
